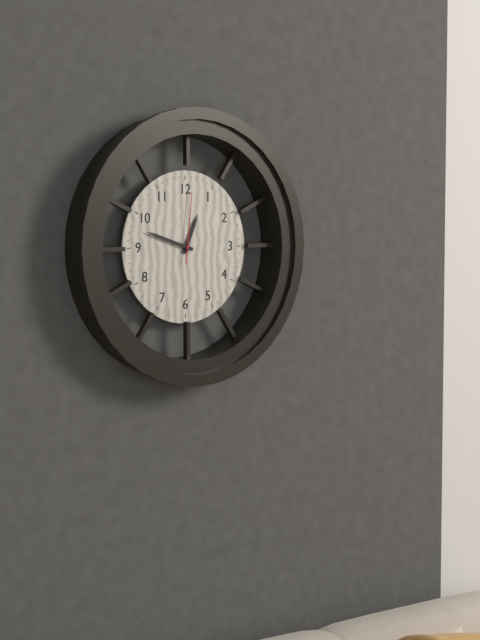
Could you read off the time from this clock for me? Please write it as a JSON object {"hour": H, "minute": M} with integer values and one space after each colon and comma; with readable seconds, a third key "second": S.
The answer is {"hour": 12, "minute": 48, "second": 1}
